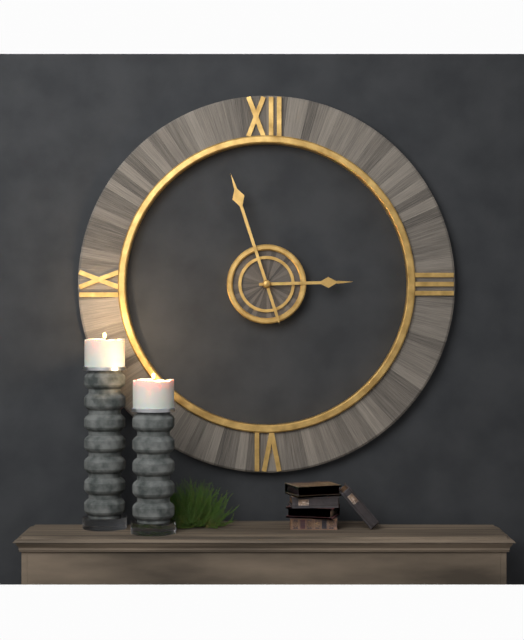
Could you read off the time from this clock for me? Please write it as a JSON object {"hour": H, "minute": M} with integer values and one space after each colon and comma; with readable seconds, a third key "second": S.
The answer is {"hour": 2, "minute": 57}
